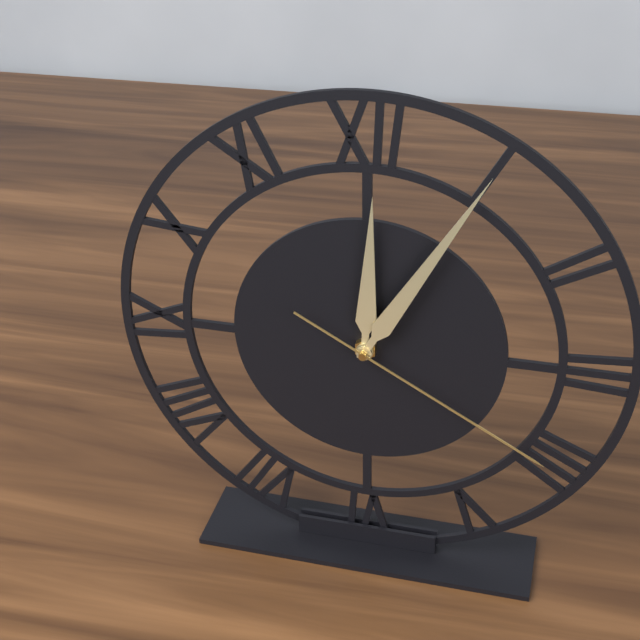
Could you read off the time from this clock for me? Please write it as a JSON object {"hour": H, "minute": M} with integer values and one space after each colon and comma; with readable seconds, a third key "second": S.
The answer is {"hour": 12, "minute": 5, "second": 20}
